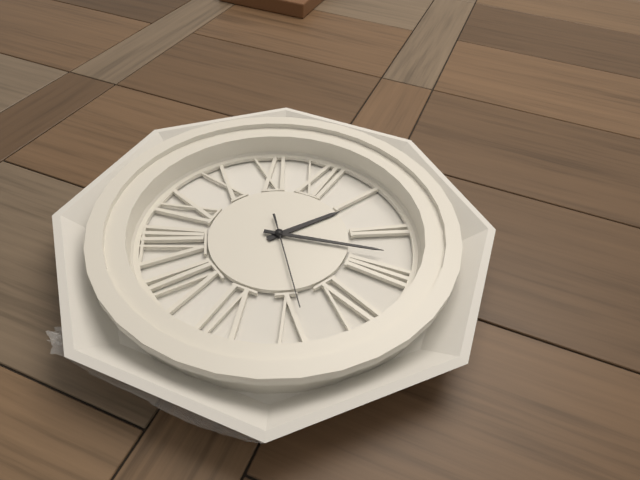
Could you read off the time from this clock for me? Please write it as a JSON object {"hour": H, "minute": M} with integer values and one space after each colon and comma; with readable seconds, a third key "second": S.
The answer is {"hour": 1, "minute": 13, "second": 24}
